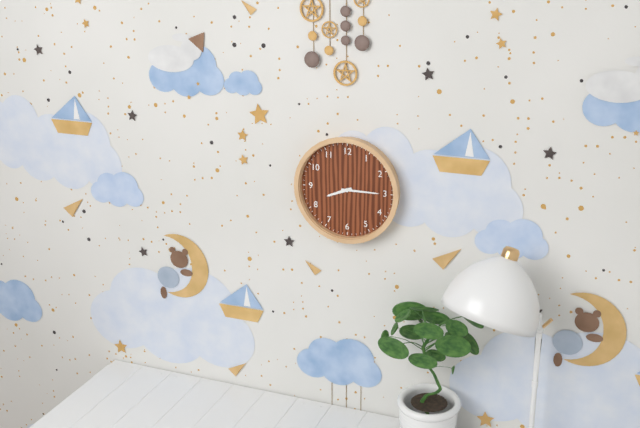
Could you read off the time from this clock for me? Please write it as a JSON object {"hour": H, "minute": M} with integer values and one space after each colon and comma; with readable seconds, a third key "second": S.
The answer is {"hour": 8, "minute": 15}
